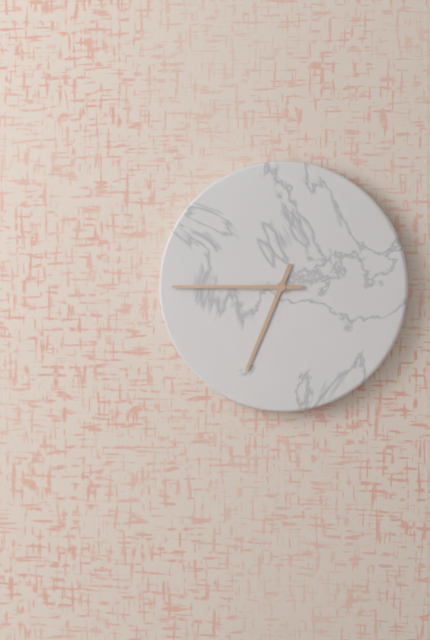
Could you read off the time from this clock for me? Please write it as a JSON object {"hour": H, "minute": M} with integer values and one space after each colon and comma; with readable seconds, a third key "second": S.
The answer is {"hour": 6, "minute": 45}
